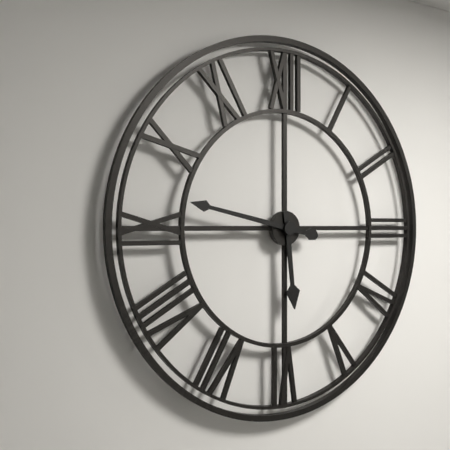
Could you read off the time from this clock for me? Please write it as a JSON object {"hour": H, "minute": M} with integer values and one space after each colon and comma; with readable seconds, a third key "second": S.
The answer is {"hour": 5, "minute": 47}
